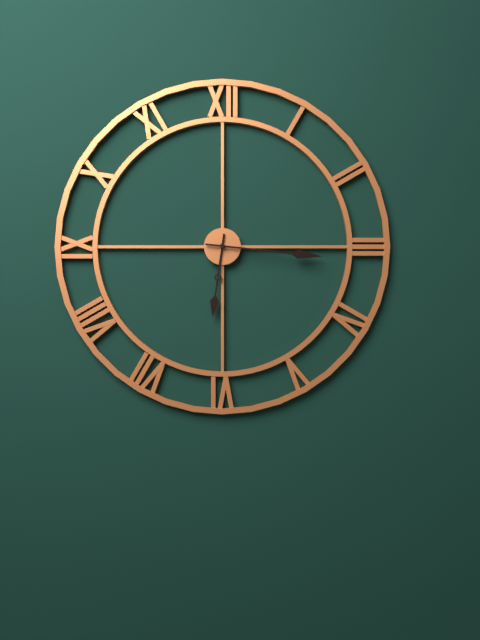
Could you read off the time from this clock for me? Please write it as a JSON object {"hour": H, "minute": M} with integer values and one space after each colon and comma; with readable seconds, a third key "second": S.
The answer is {"hour": 6, "minute": 16}
